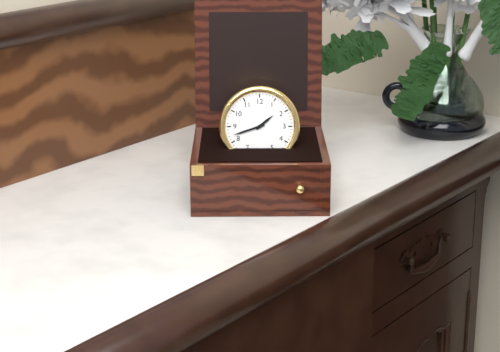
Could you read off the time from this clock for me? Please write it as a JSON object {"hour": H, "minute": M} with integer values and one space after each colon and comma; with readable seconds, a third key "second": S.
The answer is {"hour": 1, "minute": 42}
